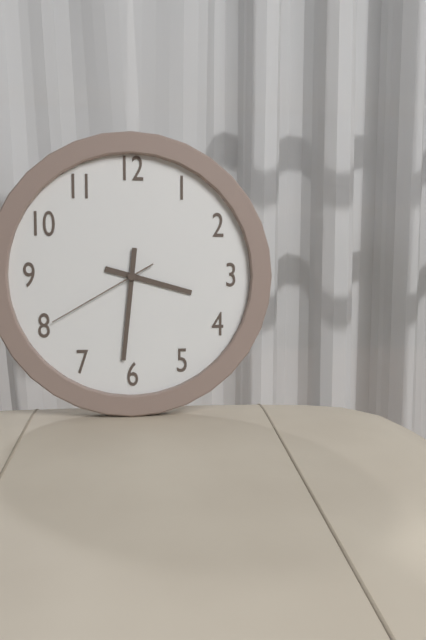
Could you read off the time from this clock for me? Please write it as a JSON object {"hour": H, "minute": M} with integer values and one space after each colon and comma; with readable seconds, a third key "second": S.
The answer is {"hour": 3, "minute": 31, "second": 40}
